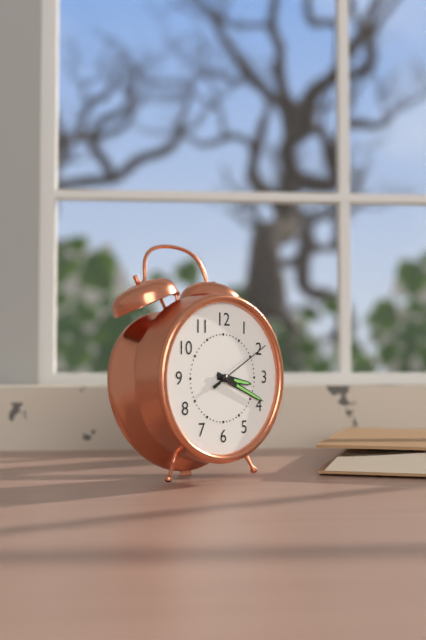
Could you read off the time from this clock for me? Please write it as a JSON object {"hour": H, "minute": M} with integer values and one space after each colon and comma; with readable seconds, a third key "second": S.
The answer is {"hour": 3, "minute": 19, "second": 10}
